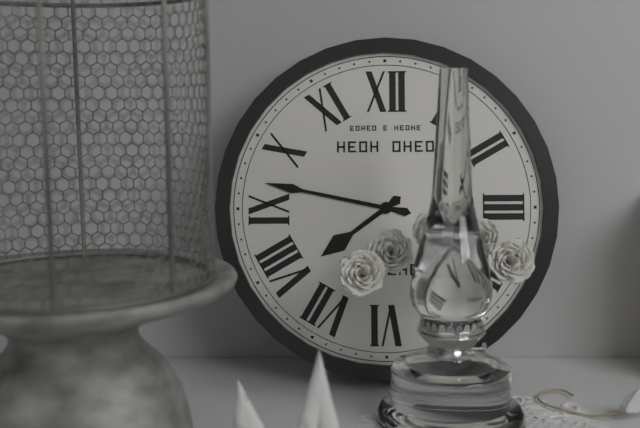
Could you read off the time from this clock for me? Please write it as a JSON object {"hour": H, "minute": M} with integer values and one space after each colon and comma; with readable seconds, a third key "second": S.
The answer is {"hour": 7, "minute": 47}
